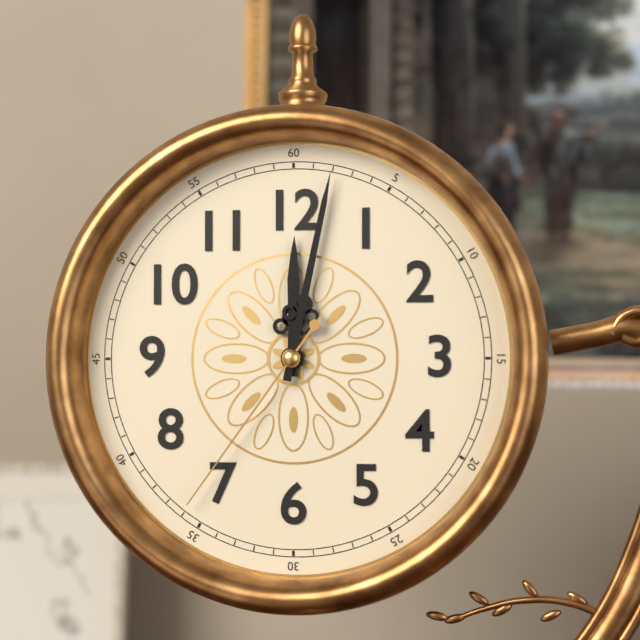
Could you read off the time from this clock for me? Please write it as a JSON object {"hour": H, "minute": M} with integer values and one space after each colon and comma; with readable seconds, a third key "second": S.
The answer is {"hour": 12, "minute": 2, "second": 36}
